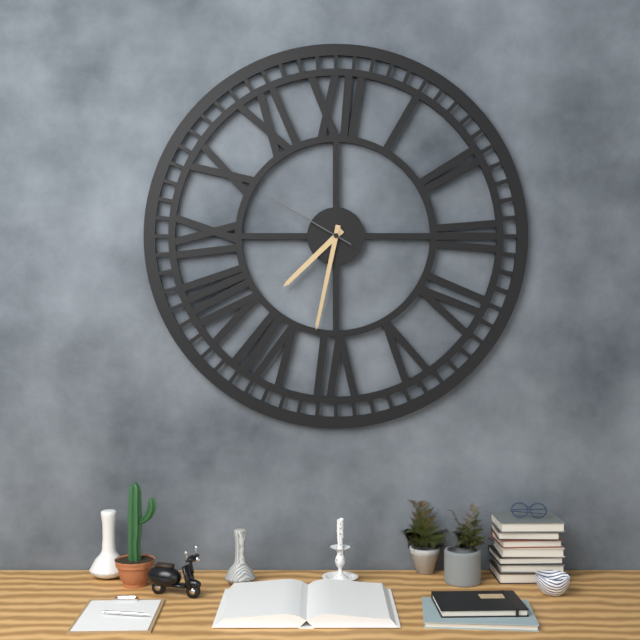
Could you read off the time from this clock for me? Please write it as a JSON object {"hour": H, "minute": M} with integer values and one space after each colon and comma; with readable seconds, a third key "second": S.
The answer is {"hour": 7, "minute": 32, "second": 50}
